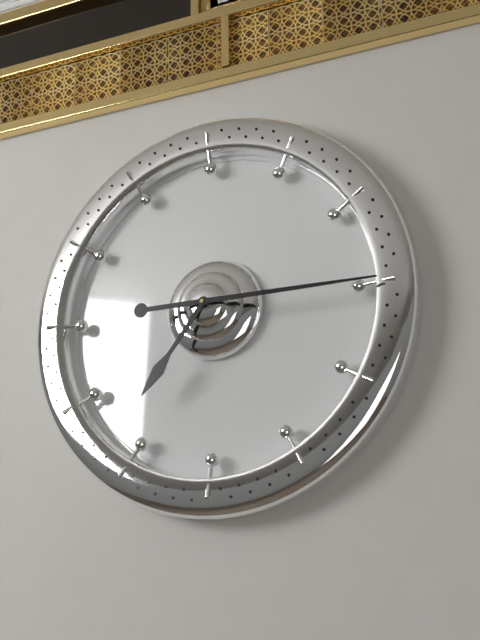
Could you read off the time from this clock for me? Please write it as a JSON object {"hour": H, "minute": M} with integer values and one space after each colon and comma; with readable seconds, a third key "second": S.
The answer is {"hour": 7, "minute": 15}
